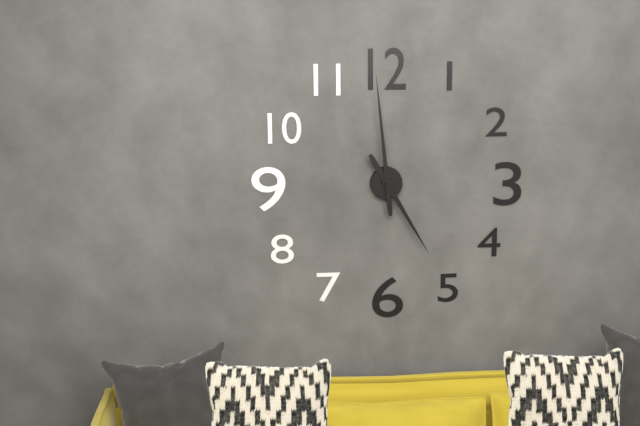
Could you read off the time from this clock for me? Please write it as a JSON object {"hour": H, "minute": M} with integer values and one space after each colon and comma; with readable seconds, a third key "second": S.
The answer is {"hour": 4, "minute": 59}
